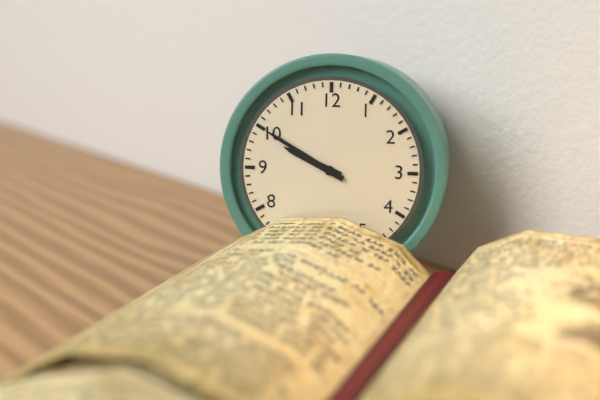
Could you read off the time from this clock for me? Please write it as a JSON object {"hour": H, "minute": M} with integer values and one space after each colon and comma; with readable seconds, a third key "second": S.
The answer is {"hour": 9, "minute": 50}
